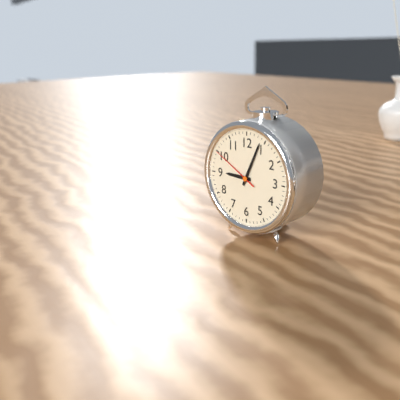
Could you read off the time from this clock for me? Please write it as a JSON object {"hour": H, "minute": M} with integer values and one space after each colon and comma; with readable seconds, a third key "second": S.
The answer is {"hour": 9, "minute": 4}
